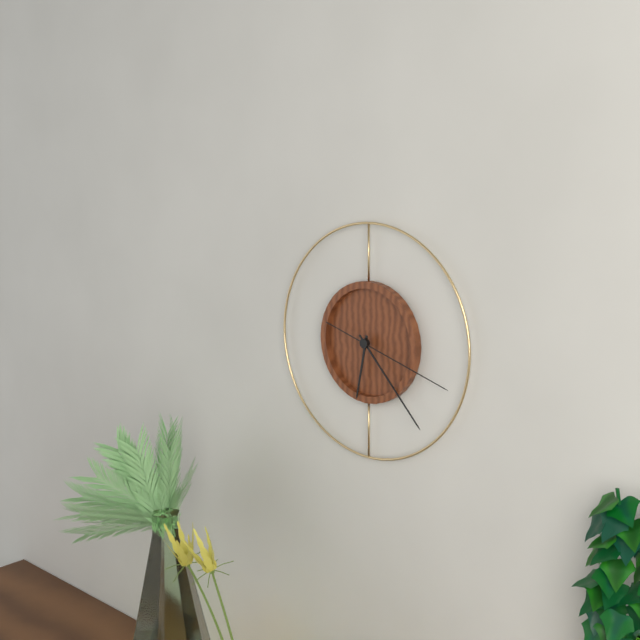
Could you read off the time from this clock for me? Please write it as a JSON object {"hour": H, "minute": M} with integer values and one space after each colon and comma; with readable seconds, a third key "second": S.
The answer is {"hour": 6, "minute": 23, "second": 18}
